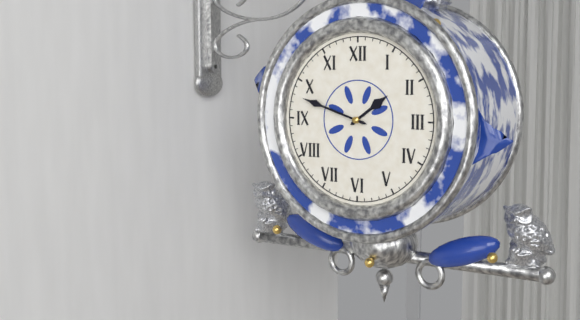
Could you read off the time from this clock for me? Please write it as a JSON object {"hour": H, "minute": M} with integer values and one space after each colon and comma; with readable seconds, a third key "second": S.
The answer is {"hour": 1, "minute": 48}
